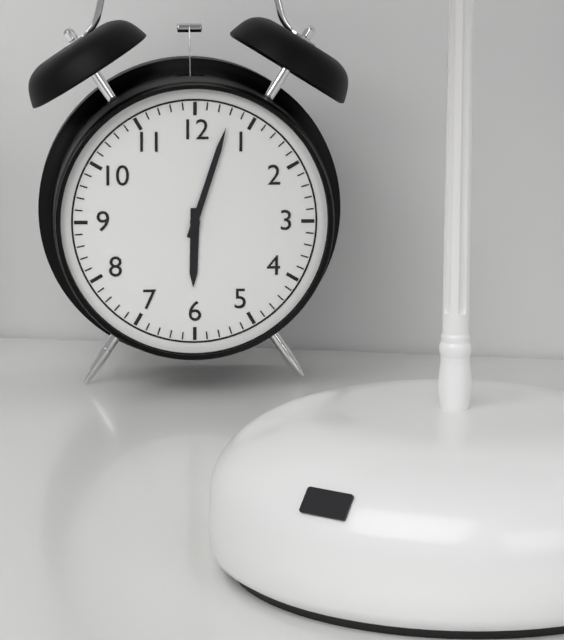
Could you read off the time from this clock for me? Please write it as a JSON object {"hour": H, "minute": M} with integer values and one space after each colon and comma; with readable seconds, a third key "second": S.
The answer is {"hour": 6, "minute": 3}
